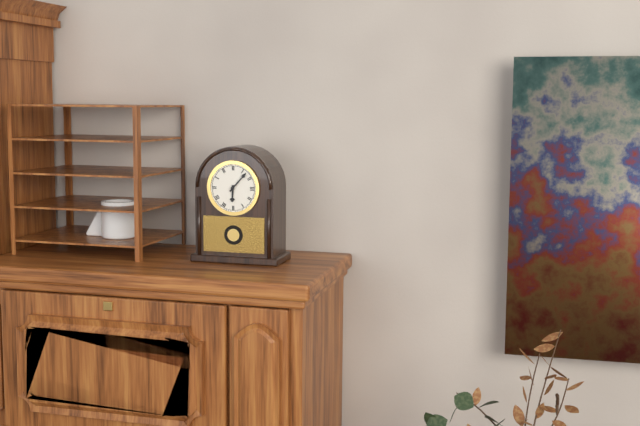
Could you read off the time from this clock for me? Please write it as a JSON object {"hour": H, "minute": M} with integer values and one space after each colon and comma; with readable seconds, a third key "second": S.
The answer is {"hour": 6, "minute": 7}
